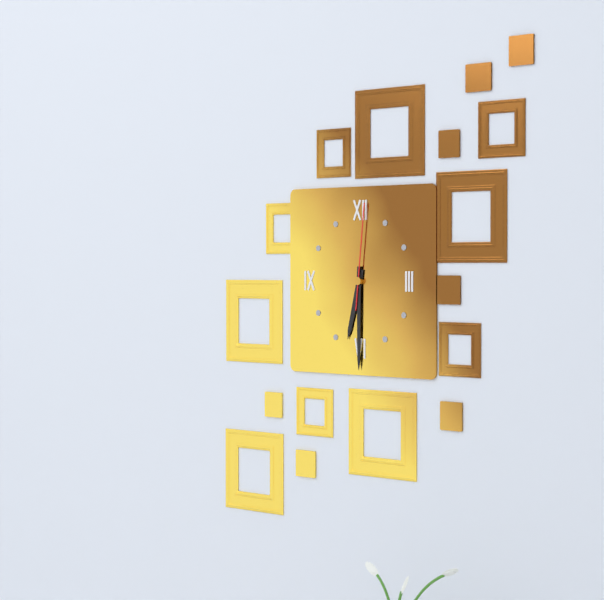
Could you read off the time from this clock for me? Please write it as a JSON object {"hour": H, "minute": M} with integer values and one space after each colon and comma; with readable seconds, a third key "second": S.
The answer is {"hour": 6, "minute": 30, "second": 1}
